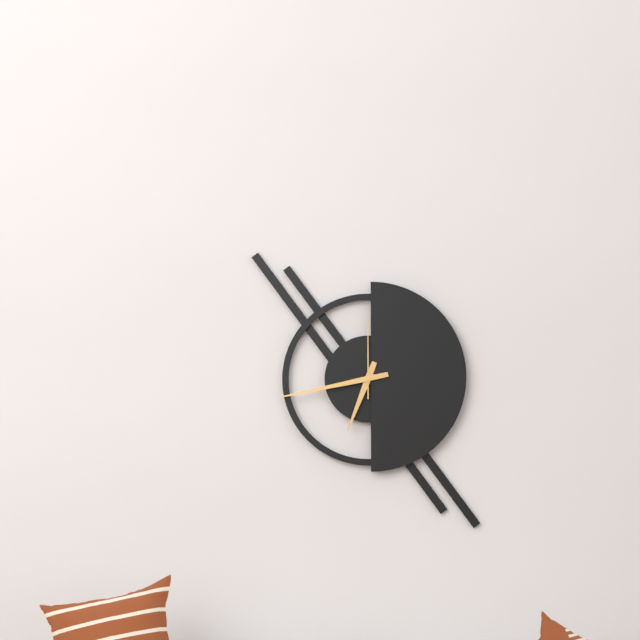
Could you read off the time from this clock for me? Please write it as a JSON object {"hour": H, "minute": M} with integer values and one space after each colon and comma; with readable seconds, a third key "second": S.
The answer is {"hour": 6, "minute": 43, "second": 0}
